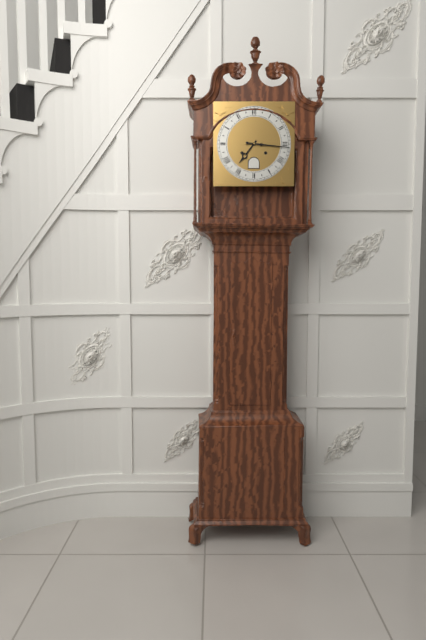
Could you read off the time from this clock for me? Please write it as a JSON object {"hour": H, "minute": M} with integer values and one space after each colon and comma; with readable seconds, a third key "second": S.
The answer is {"hour": 7, "minute": 16}
